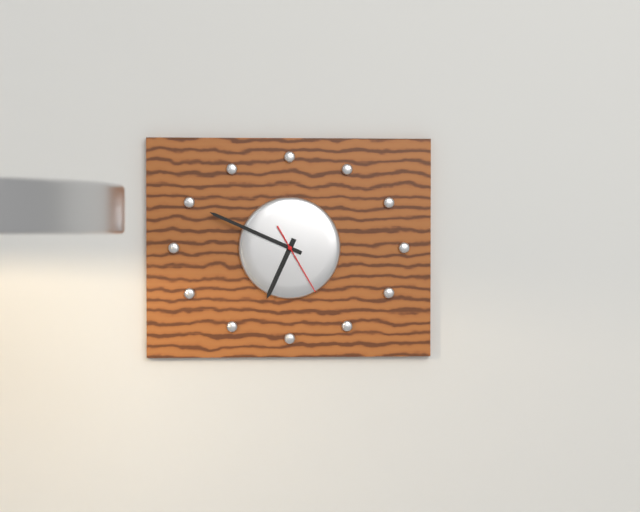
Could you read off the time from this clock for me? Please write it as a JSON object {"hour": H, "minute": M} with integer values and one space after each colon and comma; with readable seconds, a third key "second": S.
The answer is {"hour": 6, "minute": 49, "second": 25}
